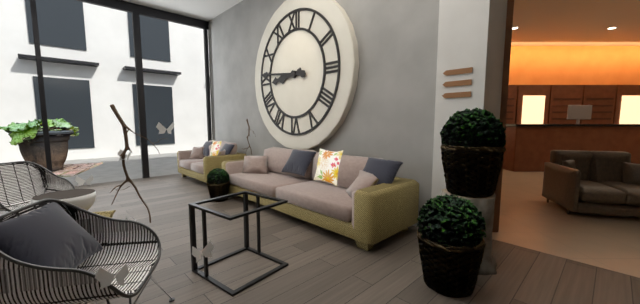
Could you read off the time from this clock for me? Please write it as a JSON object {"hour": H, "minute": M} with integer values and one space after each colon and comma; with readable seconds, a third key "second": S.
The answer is {"hour": 8, "minute": 46}
